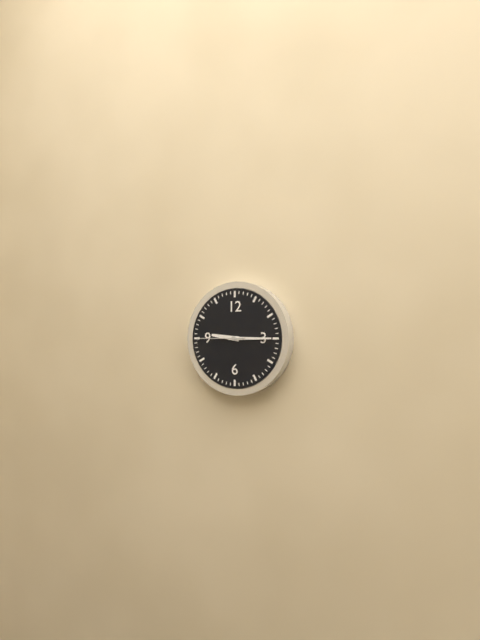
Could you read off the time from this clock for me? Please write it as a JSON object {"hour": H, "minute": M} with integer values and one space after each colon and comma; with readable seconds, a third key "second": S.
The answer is {"hour": 9, "minute": 15}
